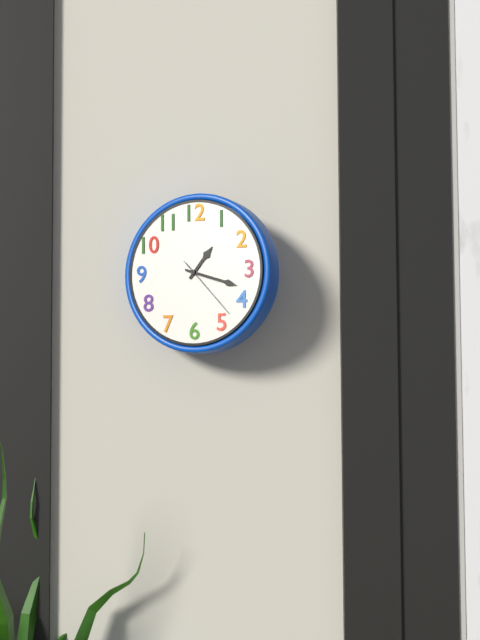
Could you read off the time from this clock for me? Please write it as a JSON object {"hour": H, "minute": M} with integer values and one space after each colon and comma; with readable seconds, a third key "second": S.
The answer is {"hour": 1, "minute": 18, "second": 23}
